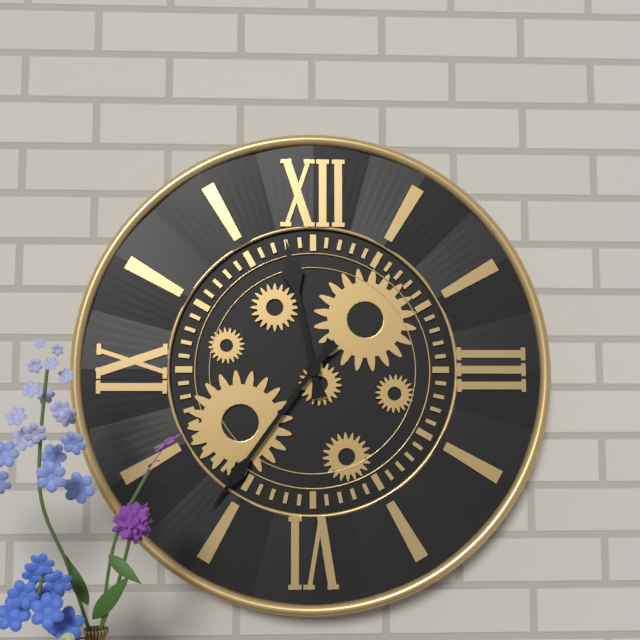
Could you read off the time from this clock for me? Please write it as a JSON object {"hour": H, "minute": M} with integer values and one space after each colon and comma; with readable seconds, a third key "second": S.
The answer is {"hour": 11, "minute": 36}
